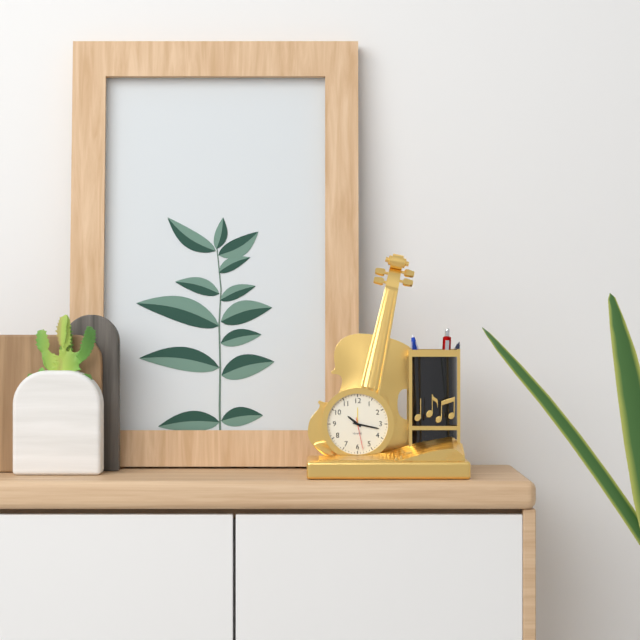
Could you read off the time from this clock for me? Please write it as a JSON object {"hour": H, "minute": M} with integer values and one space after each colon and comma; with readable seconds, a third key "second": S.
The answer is {"hour": 10, "minute": 17}
